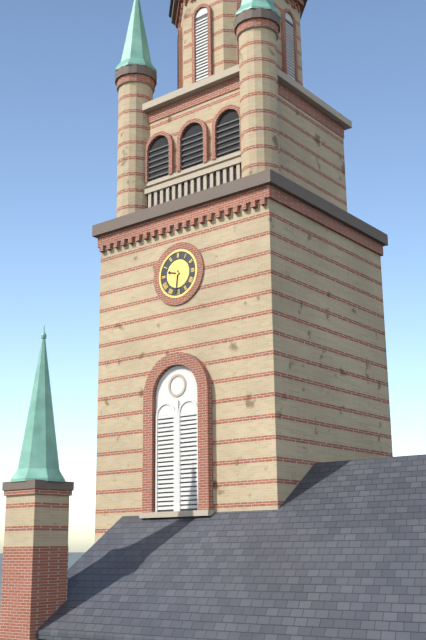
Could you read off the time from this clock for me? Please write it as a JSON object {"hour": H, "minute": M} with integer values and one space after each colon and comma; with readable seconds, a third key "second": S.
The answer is {"hour": 9, "minute": 31}
